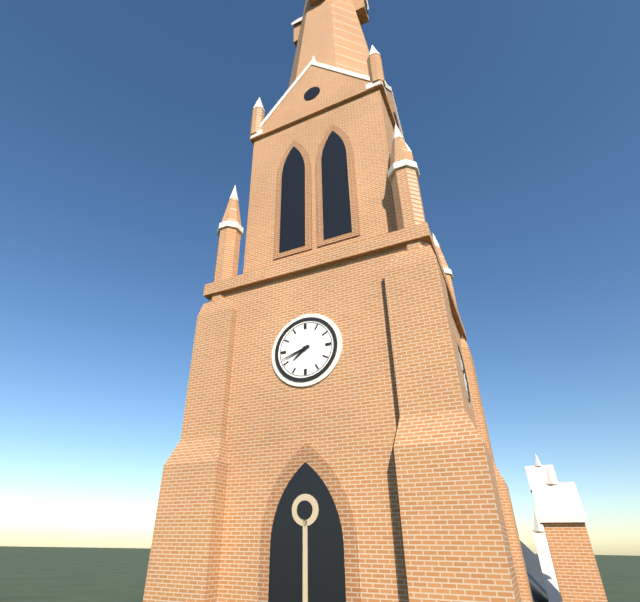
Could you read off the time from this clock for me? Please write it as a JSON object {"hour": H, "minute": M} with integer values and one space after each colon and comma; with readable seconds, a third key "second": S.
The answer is {"hour": 7, "minute": 42}
